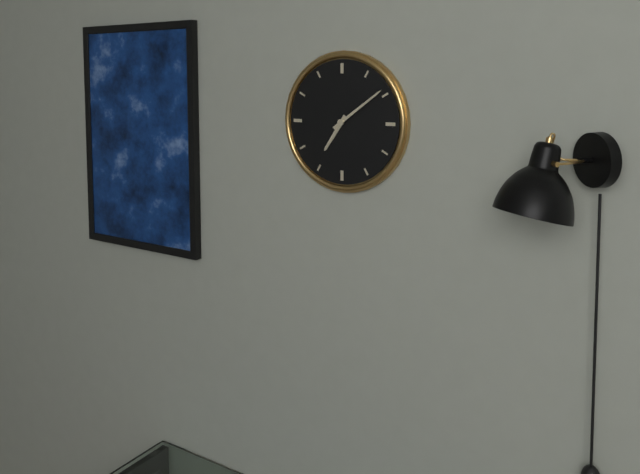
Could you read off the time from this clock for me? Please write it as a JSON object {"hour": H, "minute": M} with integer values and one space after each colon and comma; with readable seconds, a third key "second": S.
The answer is {"hour": 7, "minute": 9}
